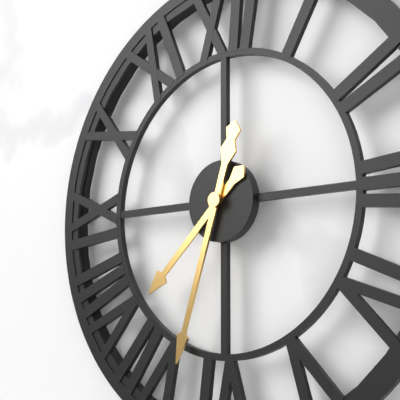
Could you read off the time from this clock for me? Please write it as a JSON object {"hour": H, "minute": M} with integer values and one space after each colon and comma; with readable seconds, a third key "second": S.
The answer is {"hour": 7, "minute": 33}
